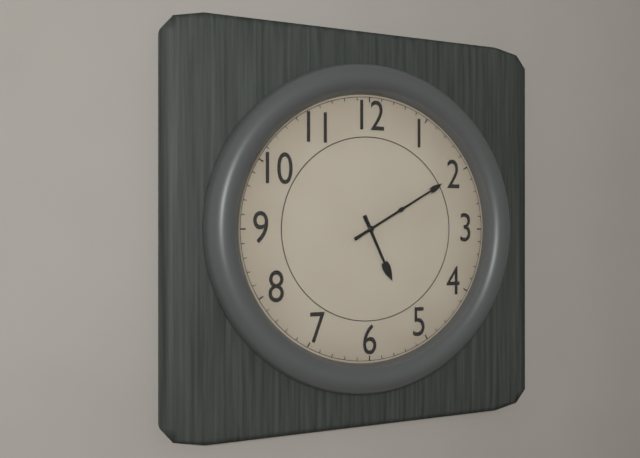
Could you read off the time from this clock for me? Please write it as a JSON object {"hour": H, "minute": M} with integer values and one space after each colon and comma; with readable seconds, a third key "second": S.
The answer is {"hour": 5, "minute": 10}
